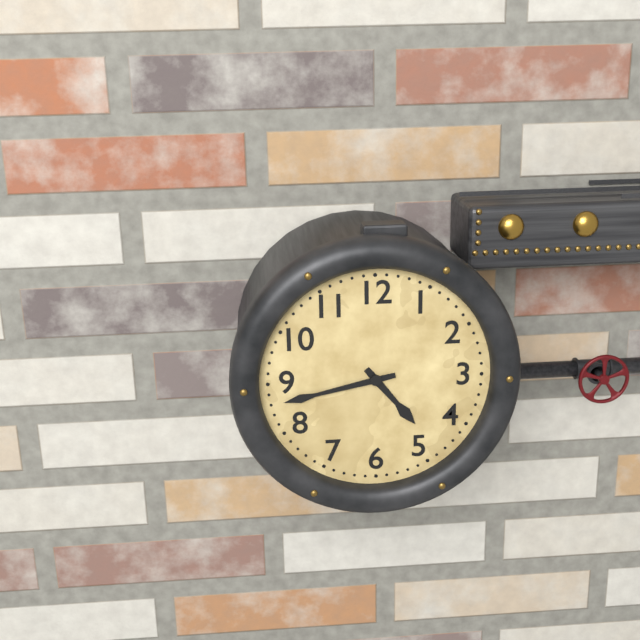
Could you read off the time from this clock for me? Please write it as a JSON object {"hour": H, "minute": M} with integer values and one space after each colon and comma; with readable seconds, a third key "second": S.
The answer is {"hour": 4, "minute": 43}
